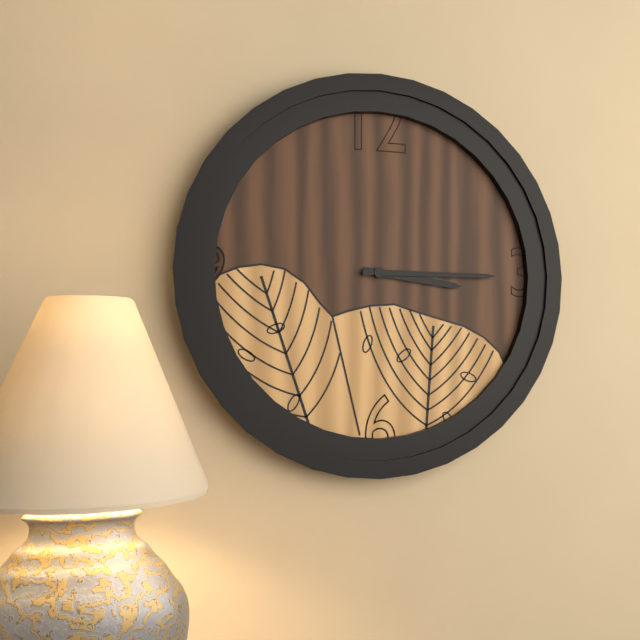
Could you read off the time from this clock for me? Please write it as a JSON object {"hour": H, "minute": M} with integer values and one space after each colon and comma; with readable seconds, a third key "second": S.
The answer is {"hour": 3, "minute": 15}
